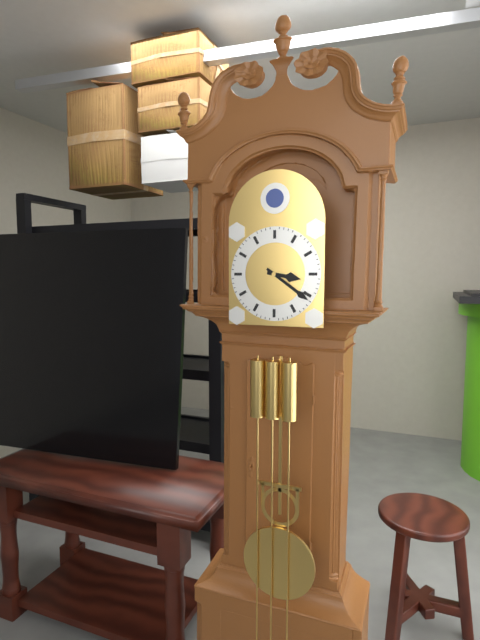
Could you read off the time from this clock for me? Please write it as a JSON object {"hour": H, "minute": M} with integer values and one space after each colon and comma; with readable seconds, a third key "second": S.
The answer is {"hour": 3, "minute": 21}
